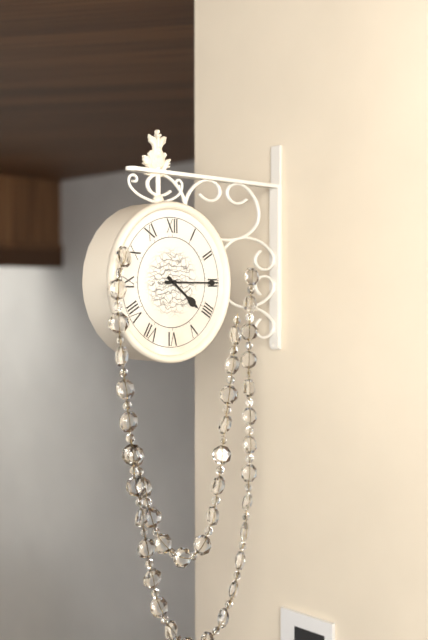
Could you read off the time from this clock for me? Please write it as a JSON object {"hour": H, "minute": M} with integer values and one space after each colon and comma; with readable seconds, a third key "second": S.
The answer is {"hour": 4, "minute": 15}
